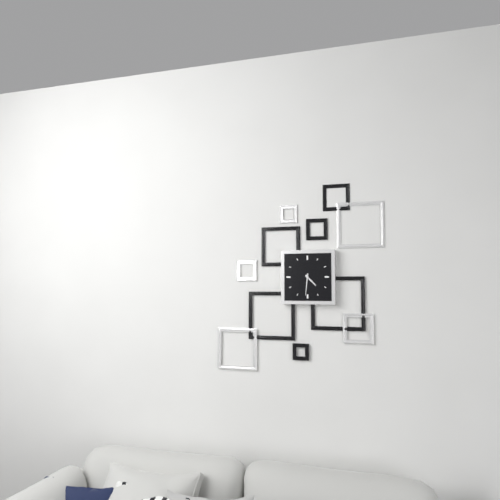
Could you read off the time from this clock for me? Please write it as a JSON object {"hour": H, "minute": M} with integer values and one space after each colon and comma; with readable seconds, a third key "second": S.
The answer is {"hour": 4, "minute": 31}
